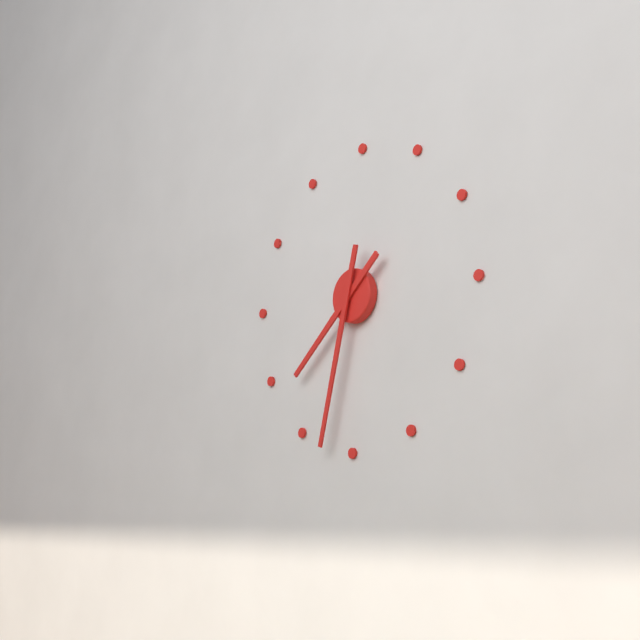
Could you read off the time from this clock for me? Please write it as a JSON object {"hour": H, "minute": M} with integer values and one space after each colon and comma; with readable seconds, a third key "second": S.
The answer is {"hour": 7, "minute": 32}
